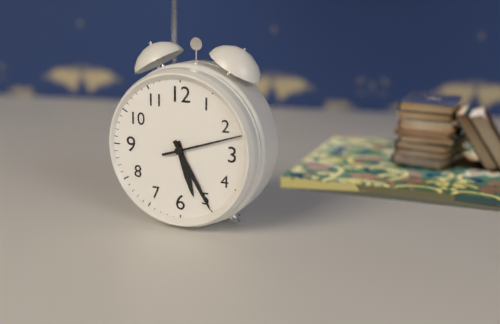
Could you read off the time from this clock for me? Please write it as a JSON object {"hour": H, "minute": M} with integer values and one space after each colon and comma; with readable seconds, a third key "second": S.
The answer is {"hour": 5, "minute": 25, "second": 12}
